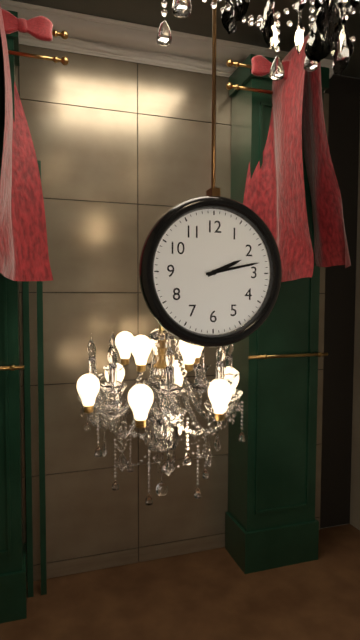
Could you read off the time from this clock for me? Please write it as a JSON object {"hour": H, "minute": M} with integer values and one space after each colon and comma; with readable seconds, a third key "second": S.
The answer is {"hour": 2, "minute": 13}
